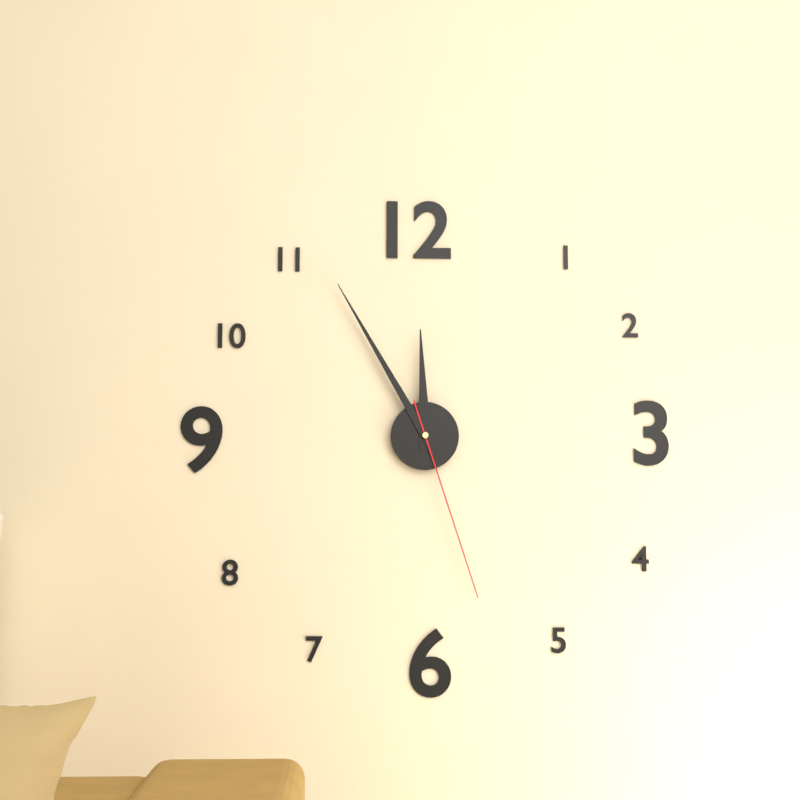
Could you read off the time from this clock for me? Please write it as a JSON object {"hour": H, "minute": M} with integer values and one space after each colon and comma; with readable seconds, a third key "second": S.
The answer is {"hour": 11, "minute": 55, "second": 27}
